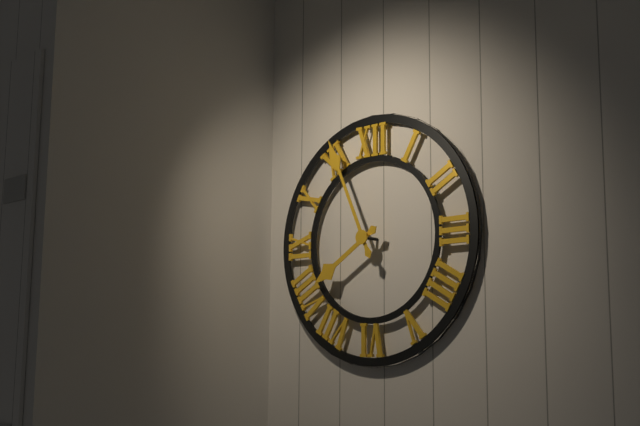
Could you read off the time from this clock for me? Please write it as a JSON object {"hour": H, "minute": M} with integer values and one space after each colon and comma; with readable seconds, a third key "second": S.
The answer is {"hour": 7, "minute": 56}
